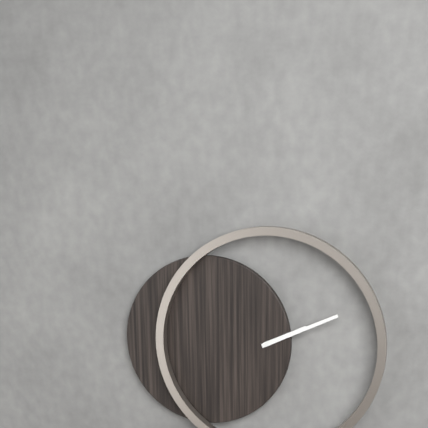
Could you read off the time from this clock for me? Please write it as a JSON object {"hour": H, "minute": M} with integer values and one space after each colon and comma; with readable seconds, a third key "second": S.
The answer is {"hour": 2, "minute": 11}
